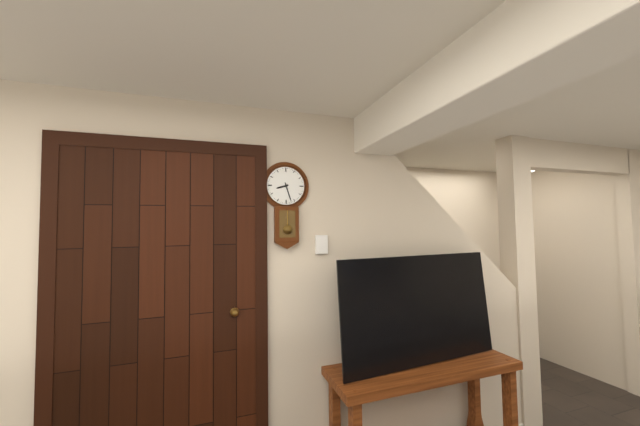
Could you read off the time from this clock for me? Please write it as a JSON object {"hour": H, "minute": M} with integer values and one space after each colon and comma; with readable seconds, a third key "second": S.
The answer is {"hour": 8, "minute": 27}
